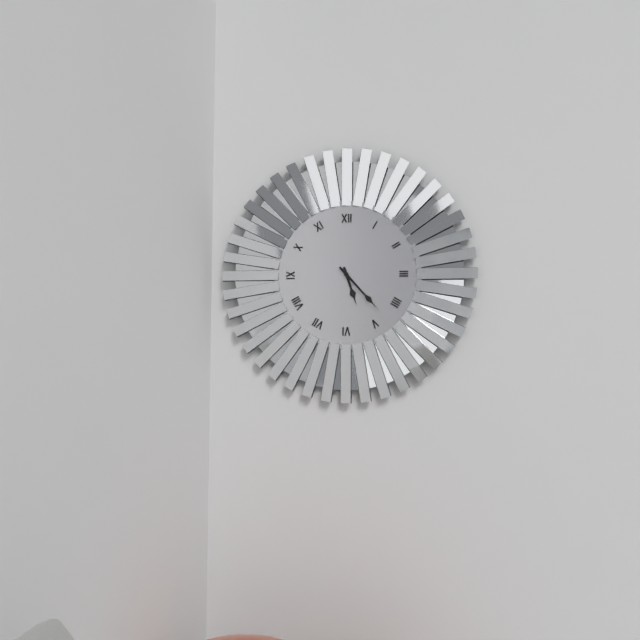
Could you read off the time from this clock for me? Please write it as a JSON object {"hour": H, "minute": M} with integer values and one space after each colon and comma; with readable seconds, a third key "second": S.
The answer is {"hour": 5, "minute": 23}
